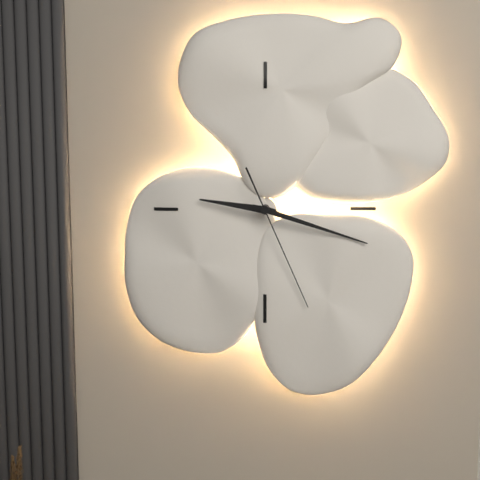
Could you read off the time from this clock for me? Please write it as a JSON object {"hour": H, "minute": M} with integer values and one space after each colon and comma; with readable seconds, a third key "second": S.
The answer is {"hour": 9, "minute": 18, "second": 26}
